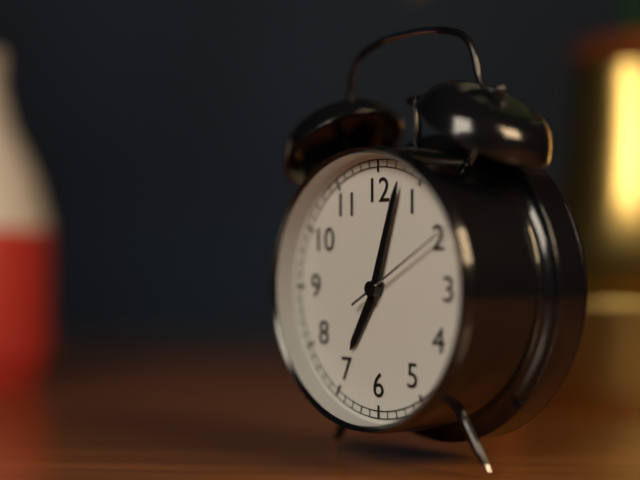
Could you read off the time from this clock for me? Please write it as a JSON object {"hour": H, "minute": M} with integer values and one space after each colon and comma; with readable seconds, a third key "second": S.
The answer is {"hour": 7, "minute": 3, "second": 10}
